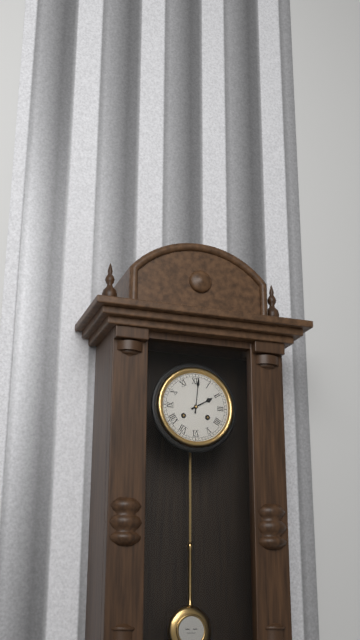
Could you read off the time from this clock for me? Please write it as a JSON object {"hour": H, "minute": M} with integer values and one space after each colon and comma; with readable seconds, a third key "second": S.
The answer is {"hour": 2, "minute": 1}
